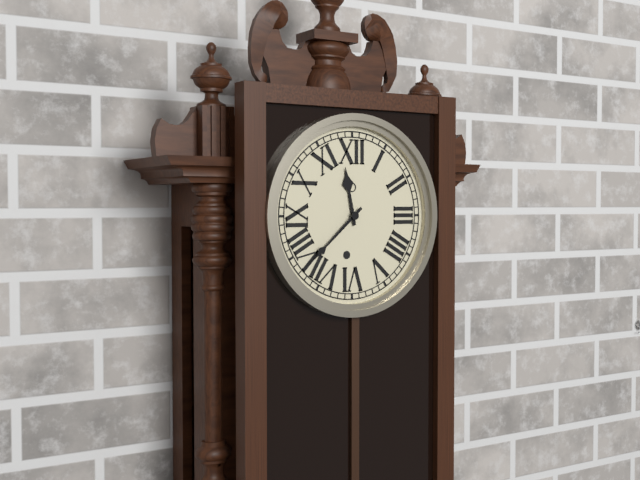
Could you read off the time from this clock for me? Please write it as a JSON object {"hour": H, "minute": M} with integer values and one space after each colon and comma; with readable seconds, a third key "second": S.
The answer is {"hour": 11, "minute": 38}
